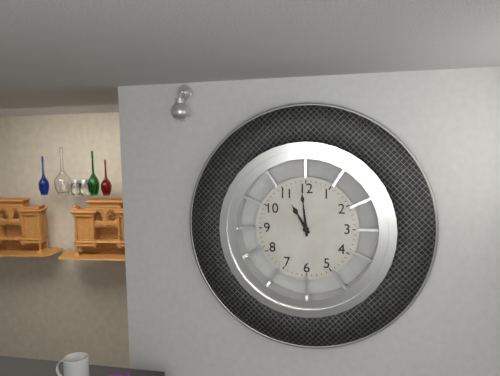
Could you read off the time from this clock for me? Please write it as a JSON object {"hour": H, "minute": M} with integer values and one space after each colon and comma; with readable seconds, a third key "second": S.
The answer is {"hour": 10, "minute": 59}
